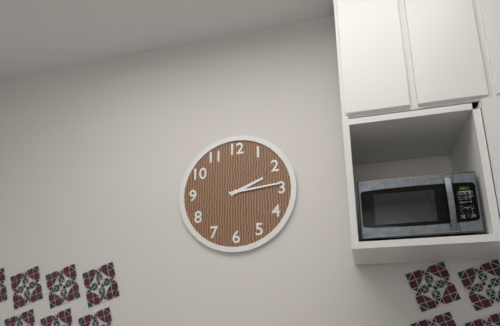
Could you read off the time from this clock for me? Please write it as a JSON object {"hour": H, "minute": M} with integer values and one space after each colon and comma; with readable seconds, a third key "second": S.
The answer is {"hour": 2, "minute": 14}
